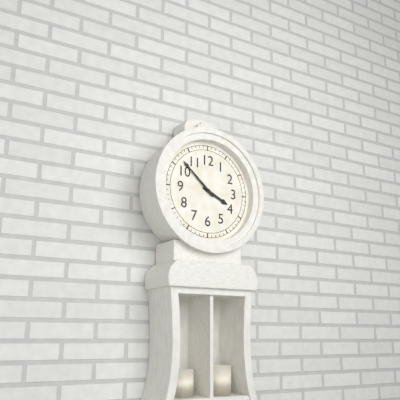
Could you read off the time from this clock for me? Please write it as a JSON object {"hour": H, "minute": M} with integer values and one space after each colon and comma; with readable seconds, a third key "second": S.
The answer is {"hour": 3, "minute": 52}
